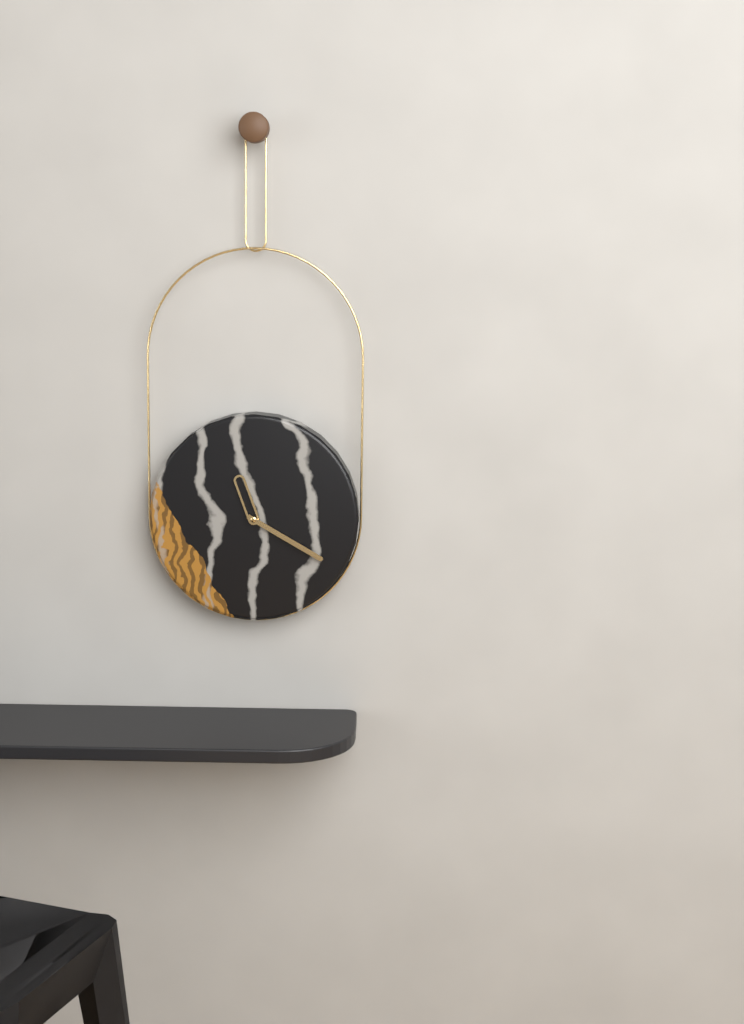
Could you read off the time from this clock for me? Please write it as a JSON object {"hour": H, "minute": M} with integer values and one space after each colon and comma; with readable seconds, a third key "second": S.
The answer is {"hour": 11, "minute": 20}
